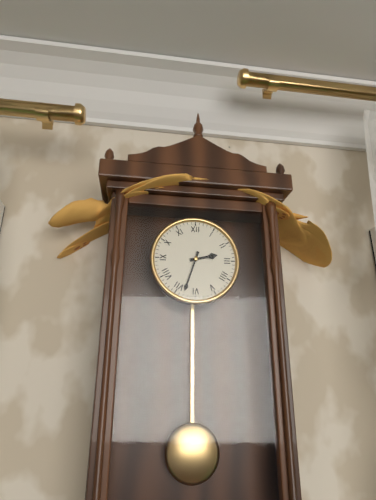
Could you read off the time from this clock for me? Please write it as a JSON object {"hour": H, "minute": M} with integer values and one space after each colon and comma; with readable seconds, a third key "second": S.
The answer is {"hour": 2, "minute": 33}
